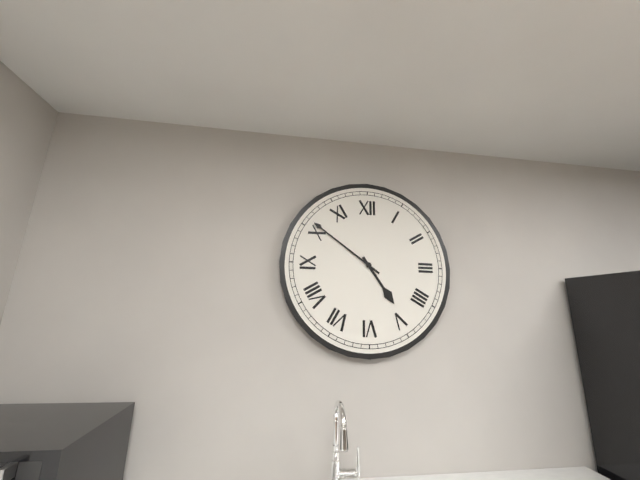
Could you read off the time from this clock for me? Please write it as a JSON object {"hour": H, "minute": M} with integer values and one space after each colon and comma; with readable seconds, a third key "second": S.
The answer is {"hour": 4, "minute": 51}
